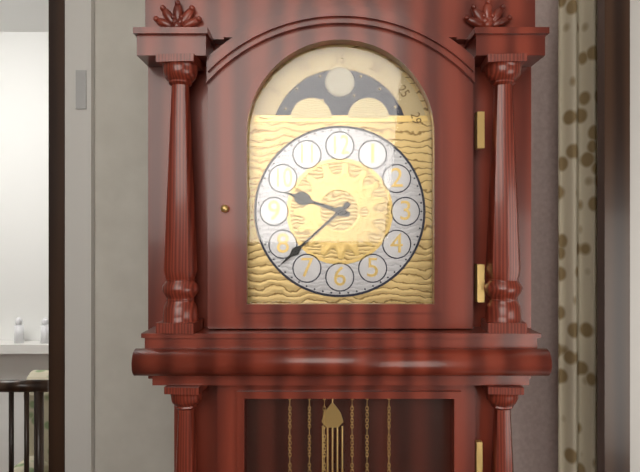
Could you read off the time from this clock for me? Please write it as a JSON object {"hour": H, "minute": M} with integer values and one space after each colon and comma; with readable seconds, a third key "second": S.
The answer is {"hour": 9, "minute": 38}
